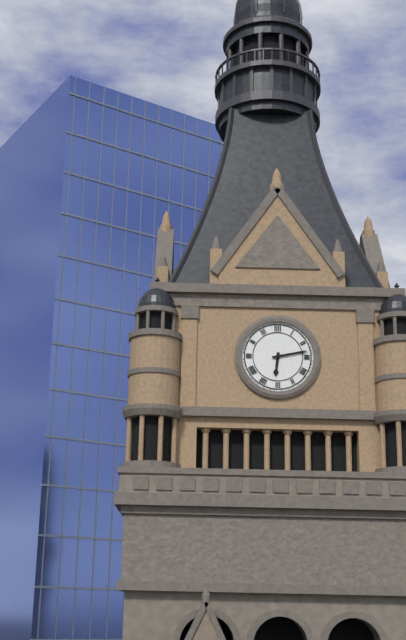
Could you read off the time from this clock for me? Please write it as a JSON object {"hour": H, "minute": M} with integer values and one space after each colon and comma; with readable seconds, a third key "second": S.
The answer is {"hour": 6, "minute": 13}
